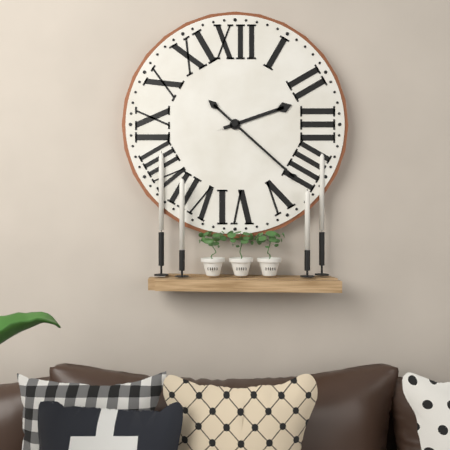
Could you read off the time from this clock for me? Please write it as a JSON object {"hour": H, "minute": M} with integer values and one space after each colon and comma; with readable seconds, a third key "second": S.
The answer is {"hour": 2, "minute": 22}
